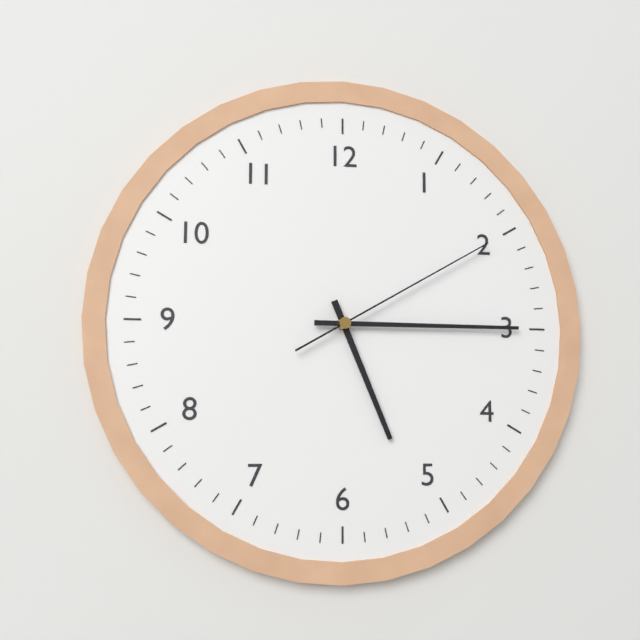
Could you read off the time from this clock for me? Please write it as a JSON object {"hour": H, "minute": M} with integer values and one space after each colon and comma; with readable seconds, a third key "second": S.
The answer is {"hour": 5, "minute": 15, "second": 10}
